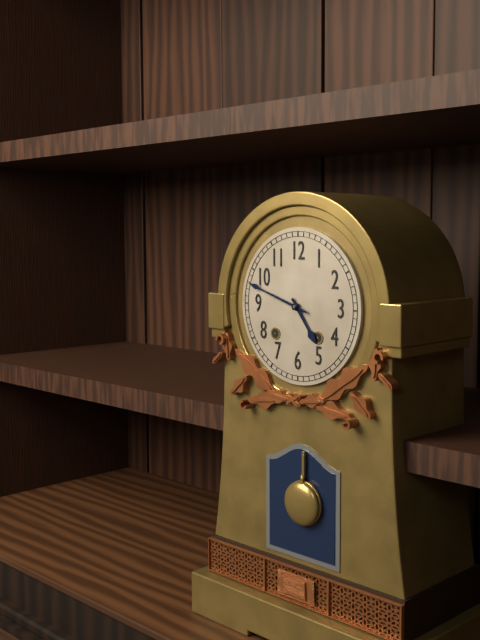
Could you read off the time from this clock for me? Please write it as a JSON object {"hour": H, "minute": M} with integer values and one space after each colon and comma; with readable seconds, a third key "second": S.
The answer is {"hour": 4, "minute": 48}
